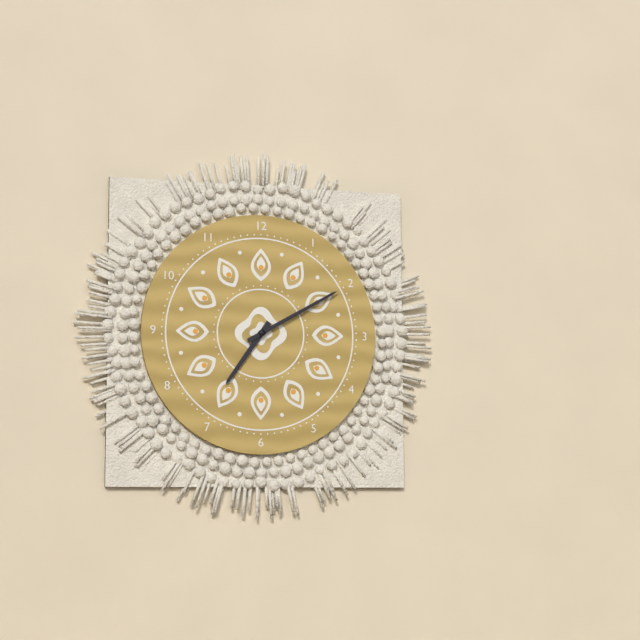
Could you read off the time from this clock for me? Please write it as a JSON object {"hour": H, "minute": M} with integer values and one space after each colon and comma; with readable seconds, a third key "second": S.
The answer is {"hour": 7, "minute": 10}
